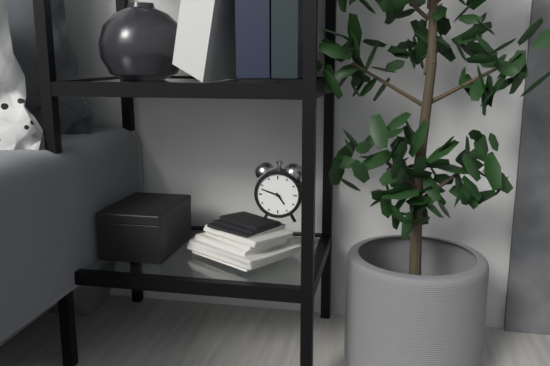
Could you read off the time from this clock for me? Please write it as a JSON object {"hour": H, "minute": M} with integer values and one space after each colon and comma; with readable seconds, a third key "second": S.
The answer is {"hour": 4, "minute": 48}
